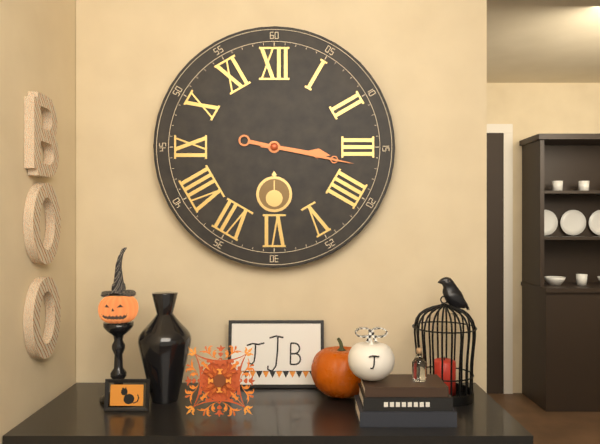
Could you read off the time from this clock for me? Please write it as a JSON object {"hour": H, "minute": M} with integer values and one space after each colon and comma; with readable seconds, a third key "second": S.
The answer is {"hour": 3, "minute": 17}
